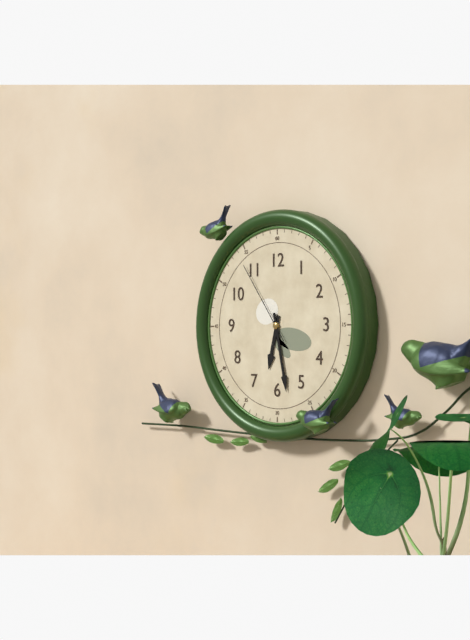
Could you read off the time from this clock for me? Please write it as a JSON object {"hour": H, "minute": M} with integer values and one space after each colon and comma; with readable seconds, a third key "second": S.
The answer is {"hour": 6, "minute": 28, "second": 54}
